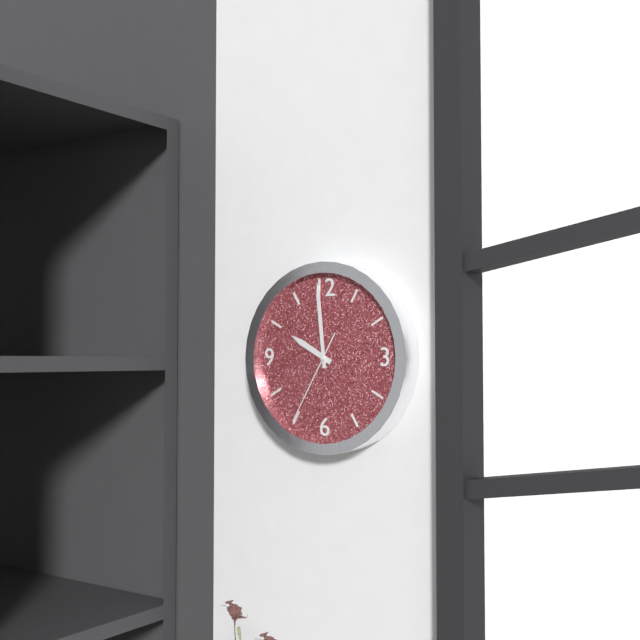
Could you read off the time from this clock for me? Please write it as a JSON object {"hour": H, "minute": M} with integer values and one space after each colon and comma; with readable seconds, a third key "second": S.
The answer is {"hour": 9, "minute": 59, "second": 35}
